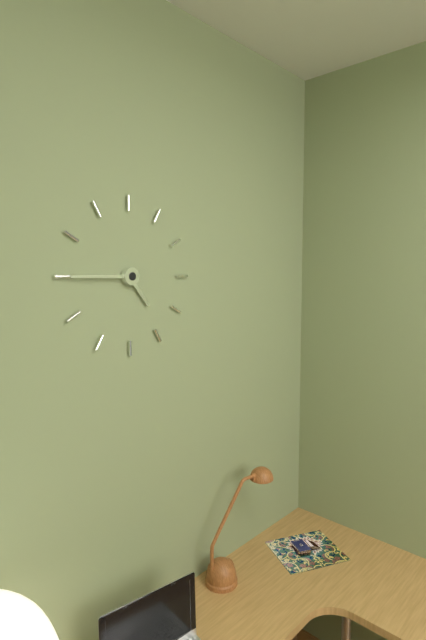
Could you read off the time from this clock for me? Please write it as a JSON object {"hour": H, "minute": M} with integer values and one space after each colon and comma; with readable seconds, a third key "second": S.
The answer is {"hour": 4, "minute": 45}
